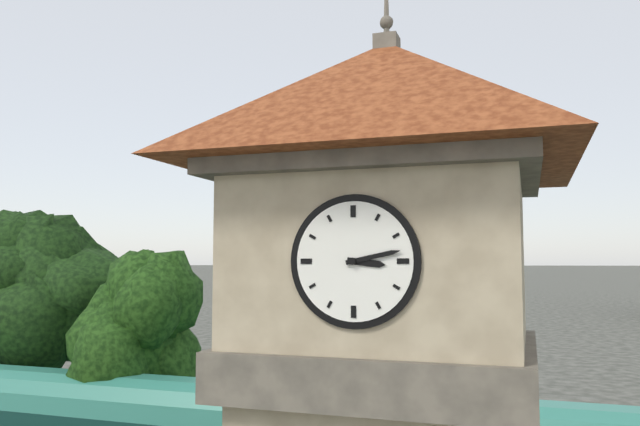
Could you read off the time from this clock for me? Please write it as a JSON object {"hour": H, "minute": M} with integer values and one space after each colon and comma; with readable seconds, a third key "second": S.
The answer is {"hour": 3, "minute": 13}
